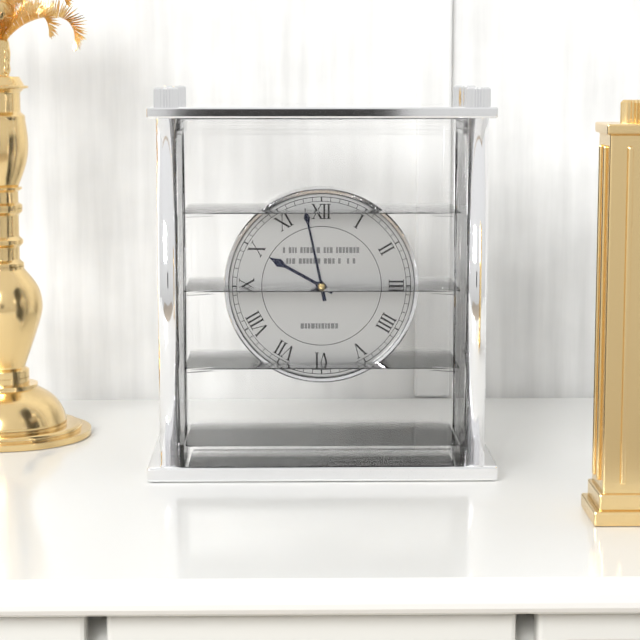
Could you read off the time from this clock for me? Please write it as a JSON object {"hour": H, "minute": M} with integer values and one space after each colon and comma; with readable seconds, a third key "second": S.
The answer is {"hour": 9, "minute": 58}
